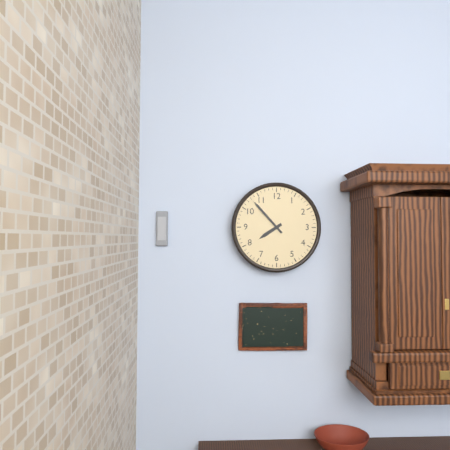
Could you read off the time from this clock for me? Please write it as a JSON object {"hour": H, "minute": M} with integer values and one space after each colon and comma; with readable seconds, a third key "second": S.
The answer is {"hour": 7, "minute": 53}
